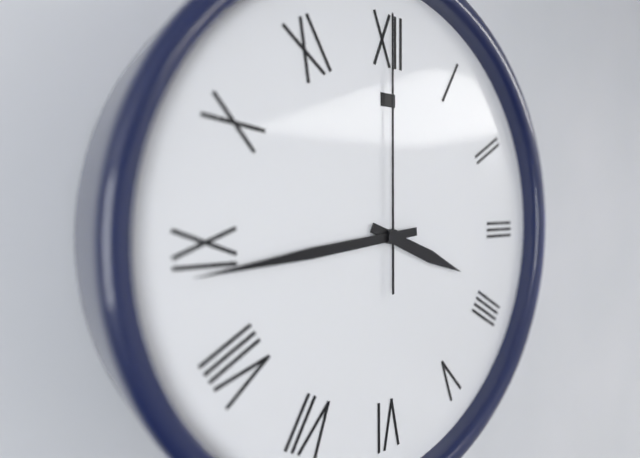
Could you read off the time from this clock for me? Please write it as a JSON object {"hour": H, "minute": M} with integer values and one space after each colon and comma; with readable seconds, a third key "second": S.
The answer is {"hour": 3, "minute": 44, "second": 0}
